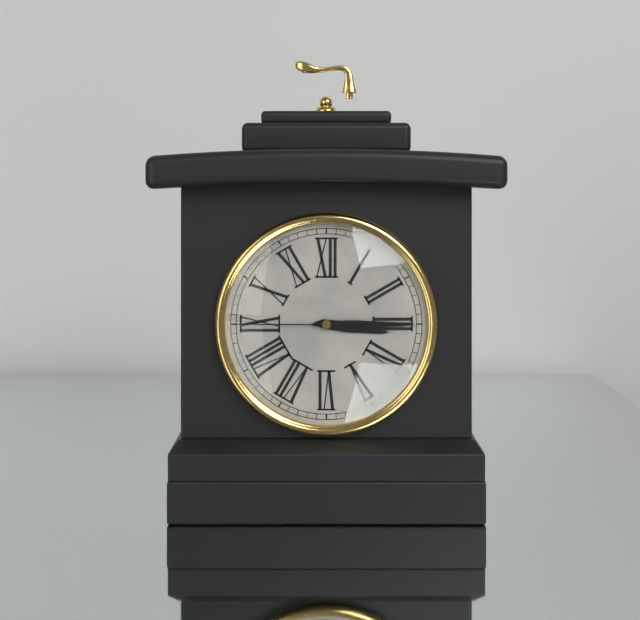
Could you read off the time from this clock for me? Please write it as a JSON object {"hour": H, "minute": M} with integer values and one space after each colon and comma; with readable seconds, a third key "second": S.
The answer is {"hour": 3, "minute": 15, "second": 45}
